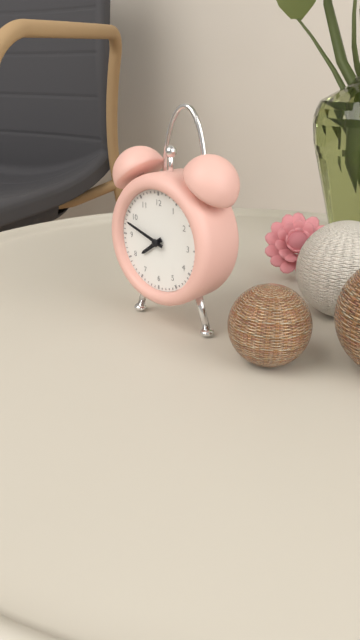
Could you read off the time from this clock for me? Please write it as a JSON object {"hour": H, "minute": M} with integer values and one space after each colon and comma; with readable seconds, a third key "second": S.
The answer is {"hour": 7, "minute": 48}
